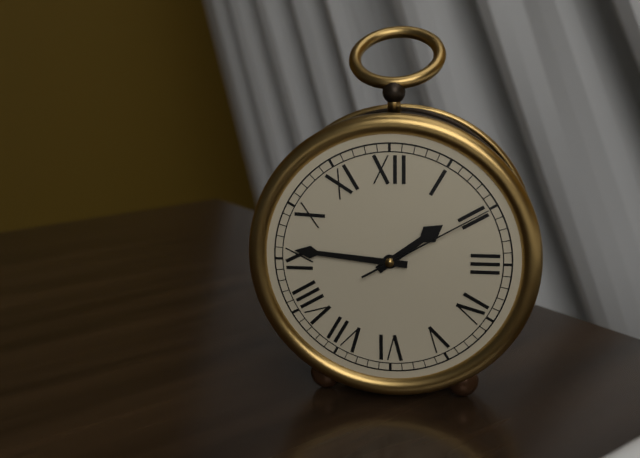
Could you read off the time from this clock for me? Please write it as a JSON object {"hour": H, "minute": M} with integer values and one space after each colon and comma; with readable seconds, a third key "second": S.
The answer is {"hour": 1, "minute": 46, "second": 10}
